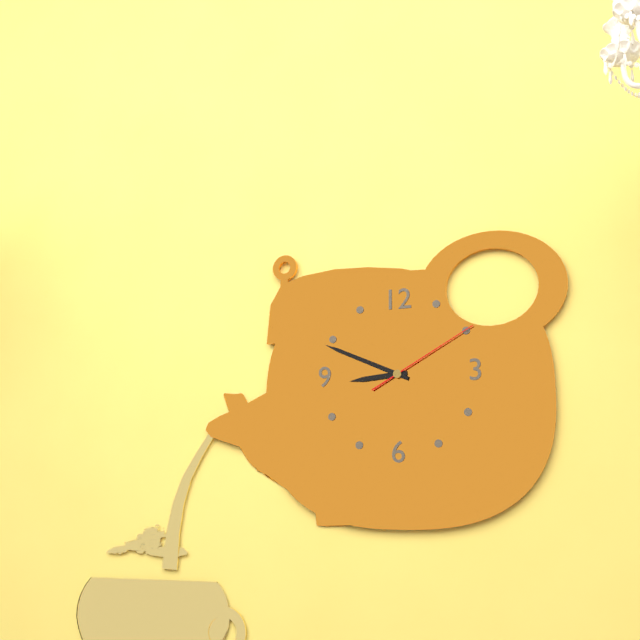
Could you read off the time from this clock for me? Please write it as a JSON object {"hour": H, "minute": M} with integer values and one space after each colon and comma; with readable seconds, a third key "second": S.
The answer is {"hour": 8, "minute": 49, "second": 10}
